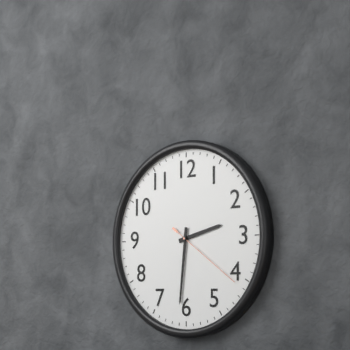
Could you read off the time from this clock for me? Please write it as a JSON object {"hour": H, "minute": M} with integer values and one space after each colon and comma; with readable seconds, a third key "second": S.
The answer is {"hour": 2, "minute": 31, "second": 21}
